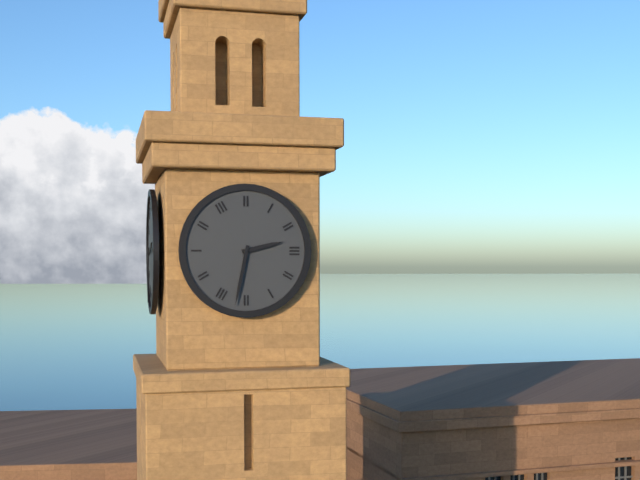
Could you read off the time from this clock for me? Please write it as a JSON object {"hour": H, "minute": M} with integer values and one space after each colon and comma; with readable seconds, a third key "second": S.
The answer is {"hour": 2, "minute": 32}
